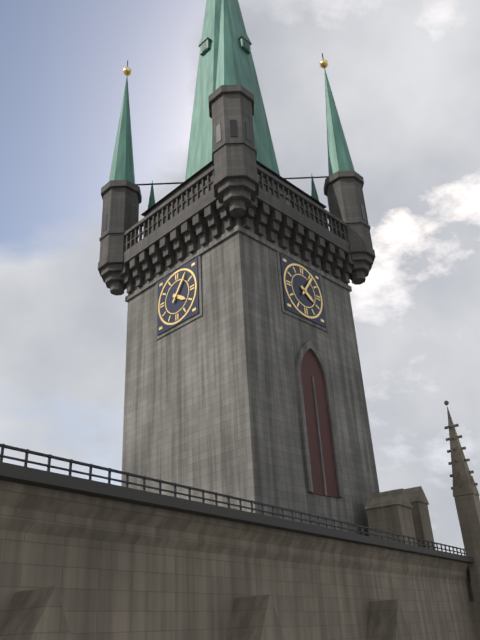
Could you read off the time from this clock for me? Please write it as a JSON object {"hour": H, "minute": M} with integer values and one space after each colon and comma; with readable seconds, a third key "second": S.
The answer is {"hour": 4, "minute": 6}
